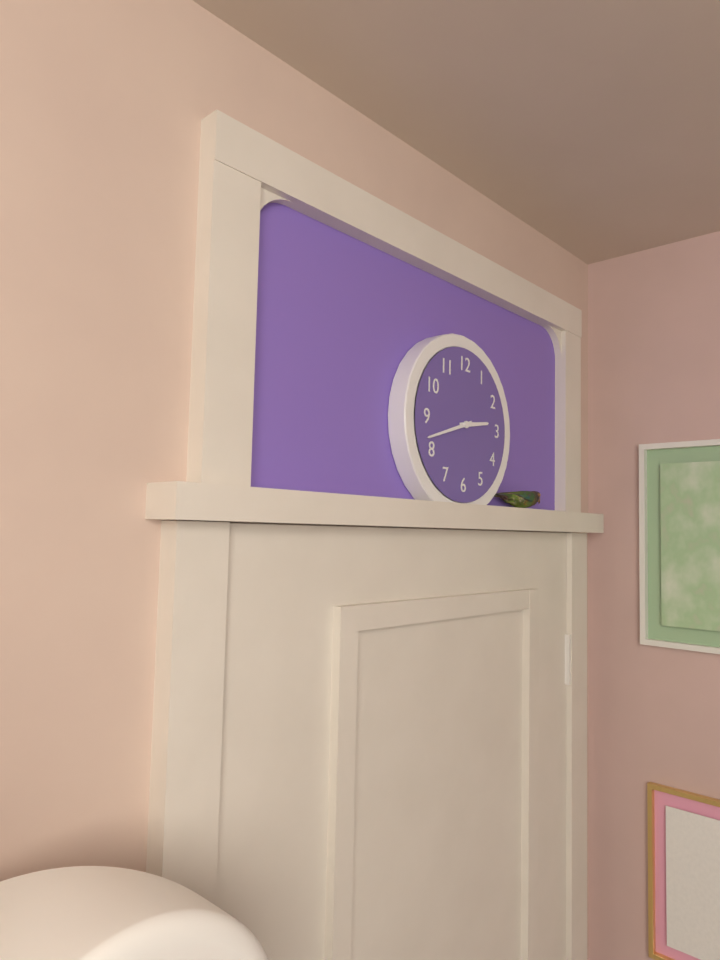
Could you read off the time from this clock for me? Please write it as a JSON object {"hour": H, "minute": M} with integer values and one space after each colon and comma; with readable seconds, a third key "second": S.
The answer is {"hour": 2, "minute": 42}
